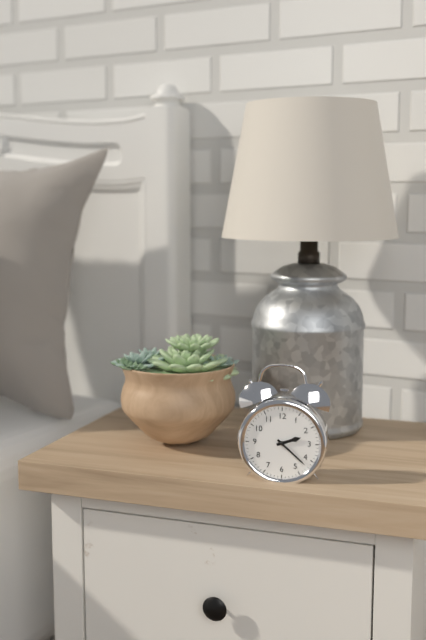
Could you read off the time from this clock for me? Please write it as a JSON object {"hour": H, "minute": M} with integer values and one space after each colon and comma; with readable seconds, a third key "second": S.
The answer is {"hour": 2, "minute": 22}
